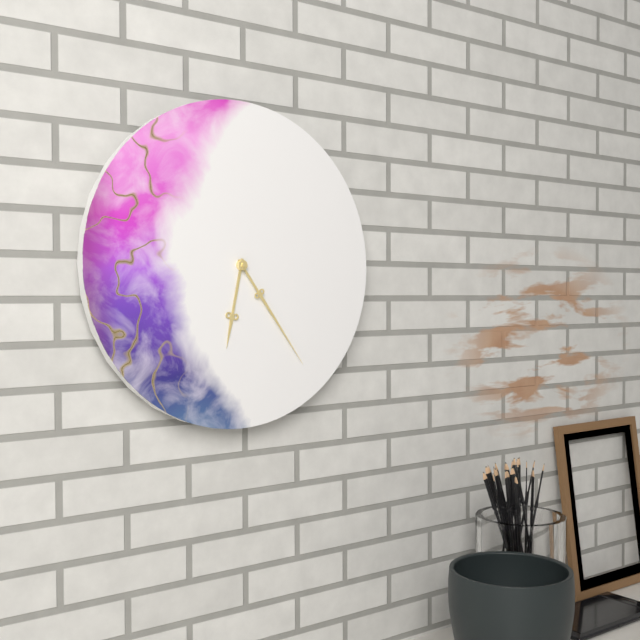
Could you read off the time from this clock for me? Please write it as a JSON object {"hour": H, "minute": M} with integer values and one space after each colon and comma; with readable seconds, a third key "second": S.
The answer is {"hour": 6, "minute": 24}
